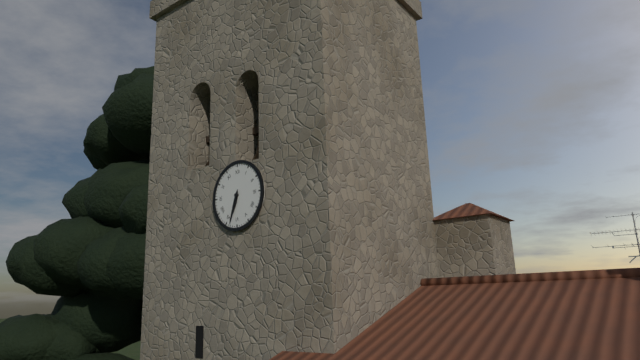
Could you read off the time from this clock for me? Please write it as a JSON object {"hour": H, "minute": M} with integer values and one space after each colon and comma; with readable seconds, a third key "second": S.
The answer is {"hour": 6, "minute": 33}
